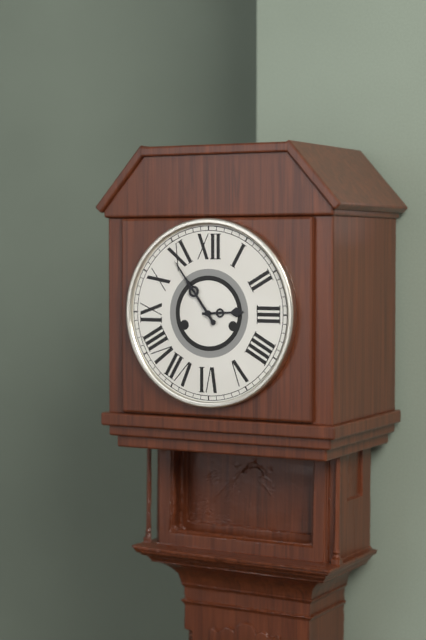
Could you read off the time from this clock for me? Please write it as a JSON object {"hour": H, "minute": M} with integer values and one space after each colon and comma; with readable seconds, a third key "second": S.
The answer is {"hour": 2, "minute": 54}
